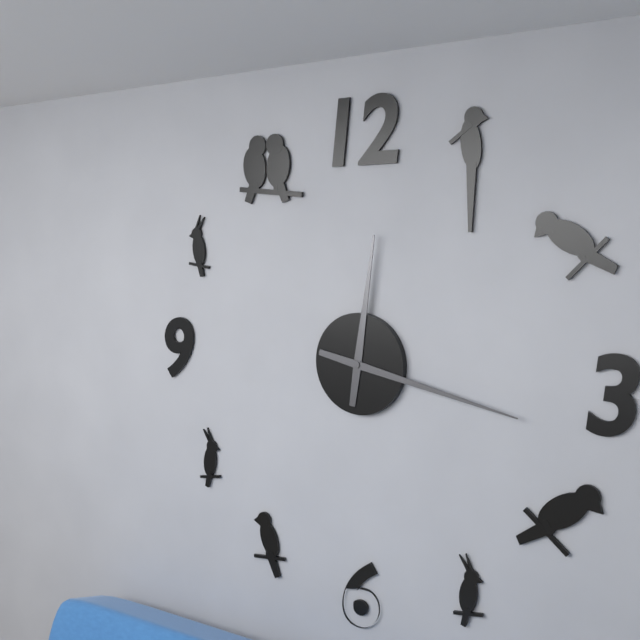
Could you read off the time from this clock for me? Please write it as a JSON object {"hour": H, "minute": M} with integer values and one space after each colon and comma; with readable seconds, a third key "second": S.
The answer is {"hour": 12, "minute": 17}
